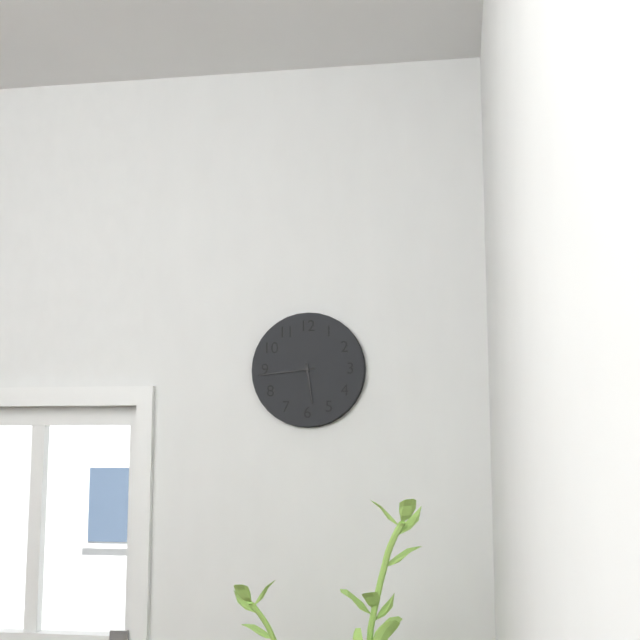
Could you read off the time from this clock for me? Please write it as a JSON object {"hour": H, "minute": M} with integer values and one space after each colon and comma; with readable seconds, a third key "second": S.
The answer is {"hour": 5, "minute": 44}
